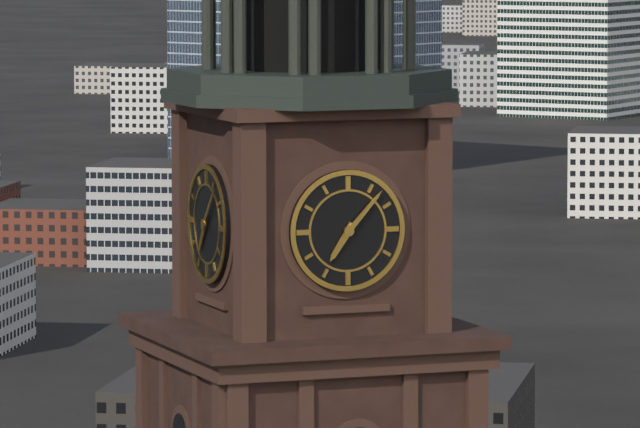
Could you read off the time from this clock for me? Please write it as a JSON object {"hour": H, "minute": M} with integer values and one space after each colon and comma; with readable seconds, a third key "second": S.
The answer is {"hour": 7, "minute": 7}
